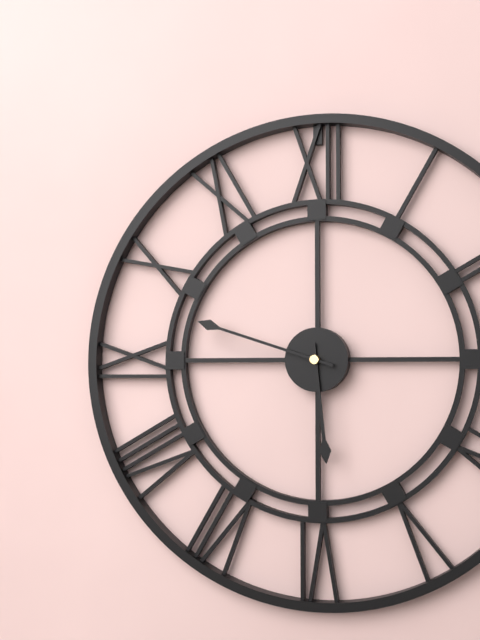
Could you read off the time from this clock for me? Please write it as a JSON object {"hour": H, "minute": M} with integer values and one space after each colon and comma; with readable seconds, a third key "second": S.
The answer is {"hour": 5, "minute": 48}
